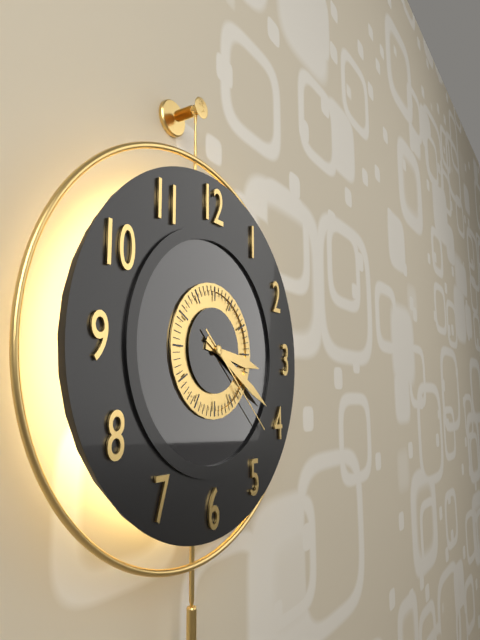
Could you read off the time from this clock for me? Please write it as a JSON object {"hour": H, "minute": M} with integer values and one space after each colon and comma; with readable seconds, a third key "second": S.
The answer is {"hour": 3, "minute": 20, "second": 22}
